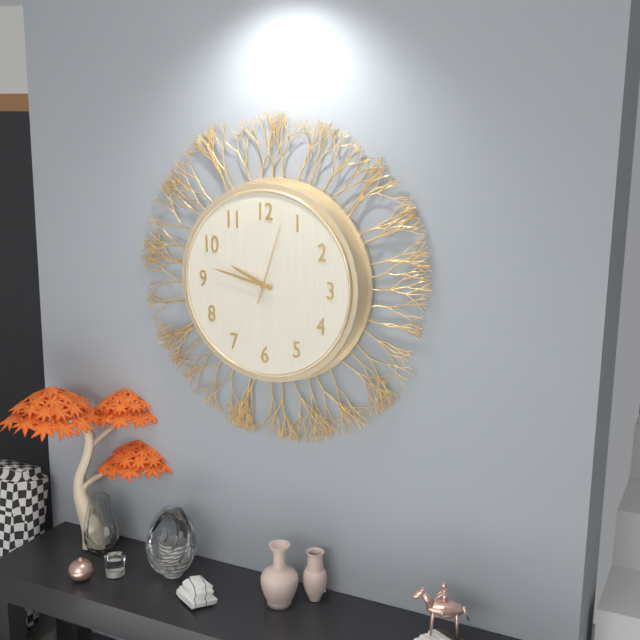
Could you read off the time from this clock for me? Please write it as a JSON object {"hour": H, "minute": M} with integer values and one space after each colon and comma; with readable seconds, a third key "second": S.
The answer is {"hour": 9, "minute": 47, "second": 3}
